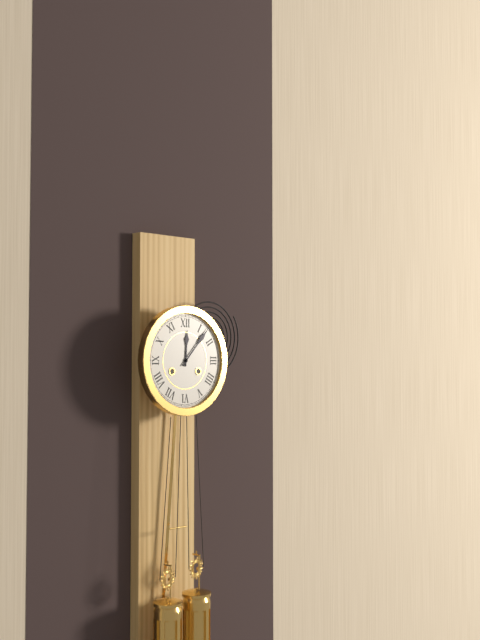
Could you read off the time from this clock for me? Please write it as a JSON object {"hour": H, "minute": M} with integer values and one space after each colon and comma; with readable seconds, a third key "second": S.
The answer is {"hour": 12, "minute": 7}
